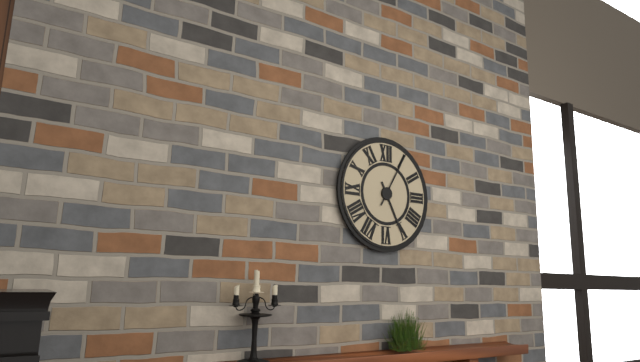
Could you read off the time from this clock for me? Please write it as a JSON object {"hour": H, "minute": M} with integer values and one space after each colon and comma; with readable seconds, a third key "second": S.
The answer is {"hour": 5, "minute": 5}
